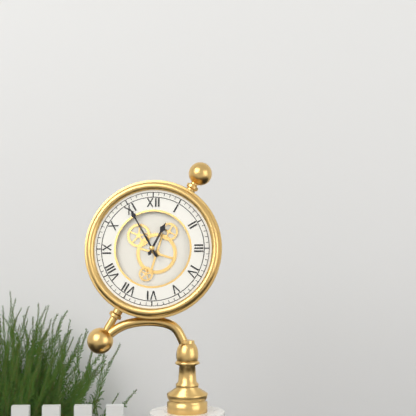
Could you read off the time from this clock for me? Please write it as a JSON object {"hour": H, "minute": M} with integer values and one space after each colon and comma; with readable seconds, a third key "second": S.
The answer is {"hour": 12, "minute": 55}
